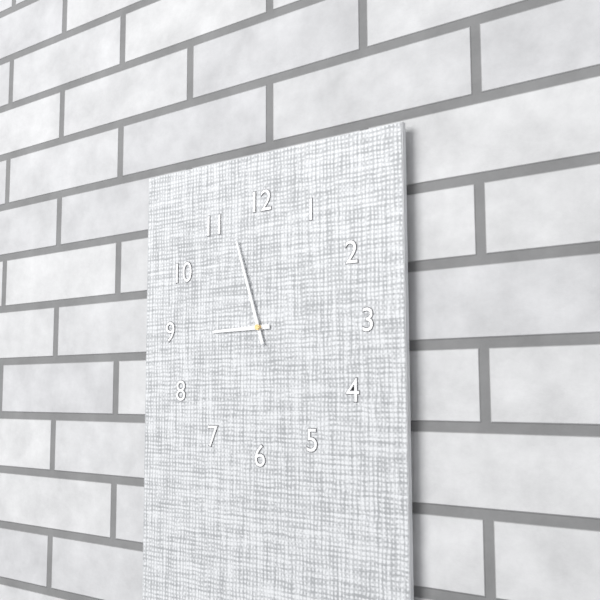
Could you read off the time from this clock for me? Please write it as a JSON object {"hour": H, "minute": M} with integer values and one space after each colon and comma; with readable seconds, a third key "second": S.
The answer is {"hour": 8, "minute": 57}
